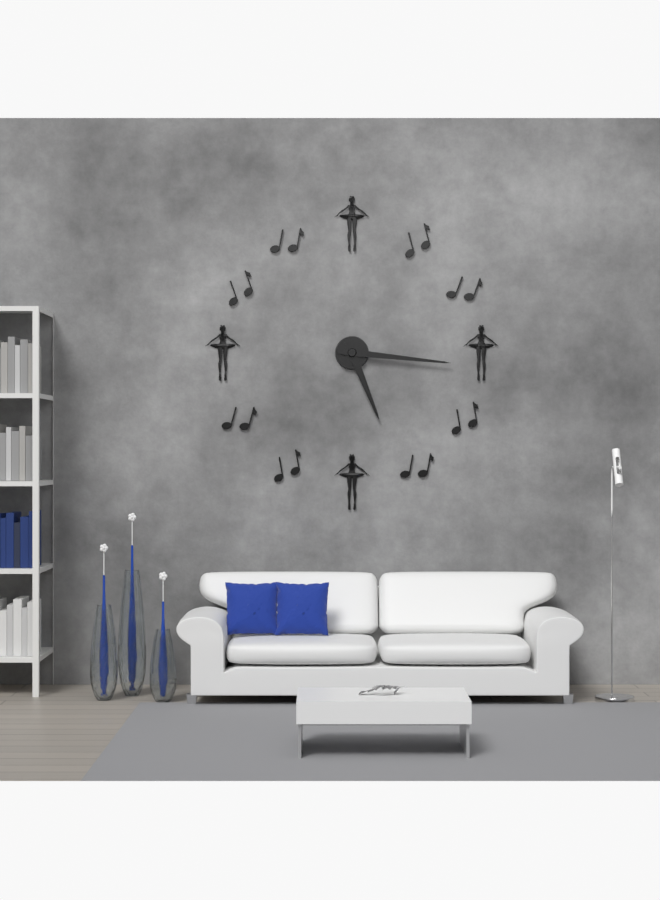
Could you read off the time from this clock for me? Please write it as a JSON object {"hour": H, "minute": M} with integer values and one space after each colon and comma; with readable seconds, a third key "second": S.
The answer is {"hour": 5, "minute": 16}
